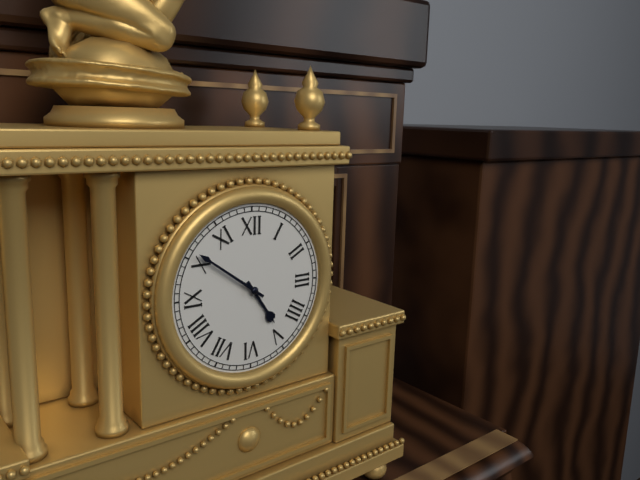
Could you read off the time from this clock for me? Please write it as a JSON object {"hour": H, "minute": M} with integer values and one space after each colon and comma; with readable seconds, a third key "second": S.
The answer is {"hour": 4, "minute": 51}
